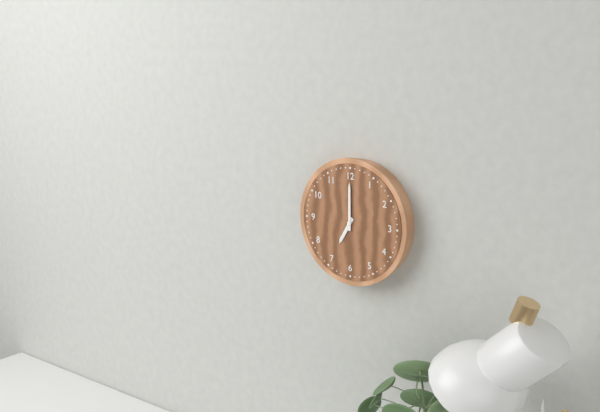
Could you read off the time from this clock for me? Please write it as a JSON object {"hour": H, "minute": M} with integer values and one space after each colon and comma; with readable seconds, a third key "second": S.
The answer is {"hour": 7, "minute": 0}
